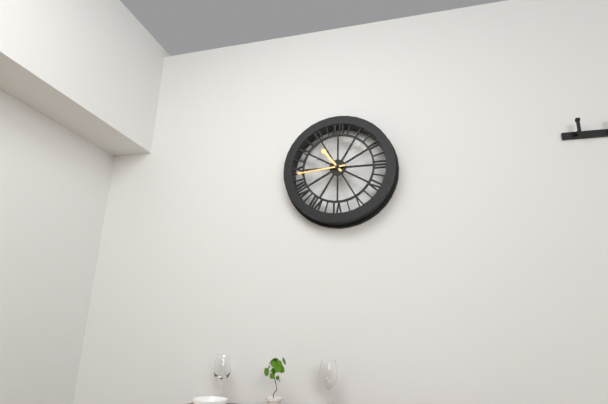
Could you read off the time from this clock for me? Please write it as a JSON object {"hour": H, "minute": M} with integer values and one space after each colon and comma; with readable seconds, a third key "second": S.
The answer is {"hour": 10, "minute": 44}
